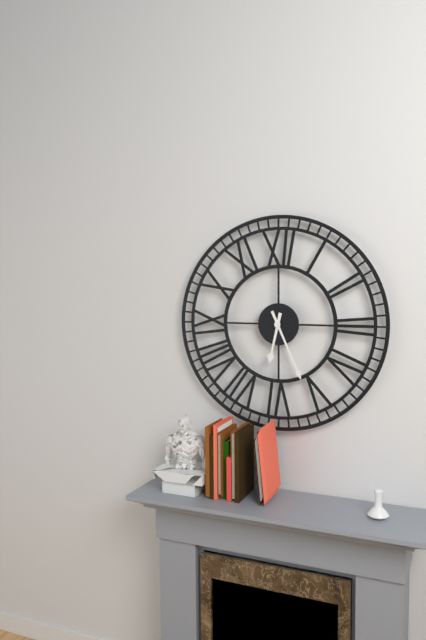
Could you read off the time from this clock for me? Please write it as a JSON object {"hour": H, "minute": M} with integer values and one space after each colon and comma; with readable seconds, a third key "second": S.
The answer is {"hour": 6, "minute": 26}
